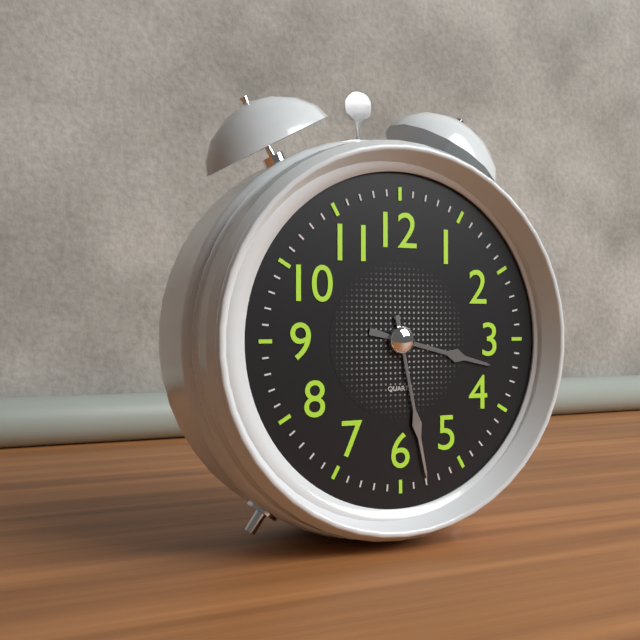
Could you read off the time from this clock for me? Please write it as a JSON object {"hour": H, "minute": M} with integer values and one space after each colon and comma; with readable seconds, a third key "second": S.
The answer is {"hour": 3, "minute": 28}
